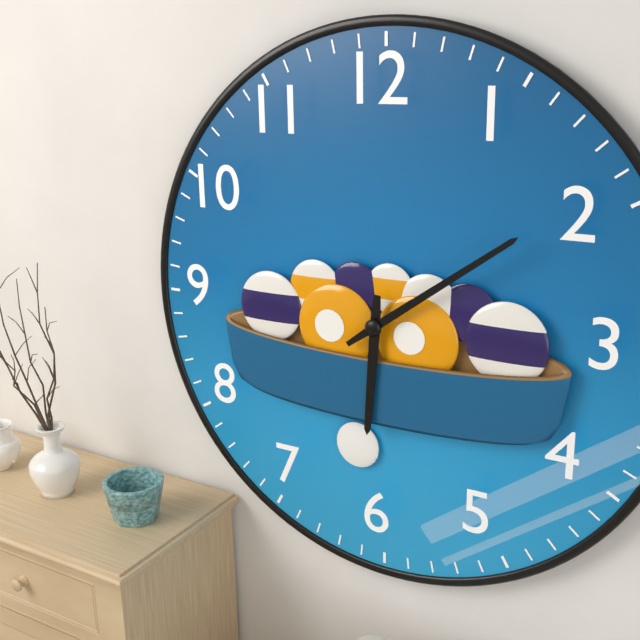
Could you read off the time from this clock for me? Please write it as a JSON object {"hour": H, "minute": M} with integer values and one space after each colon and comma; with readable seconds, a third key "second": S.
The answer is {"hour": 6, "minute": 9}
